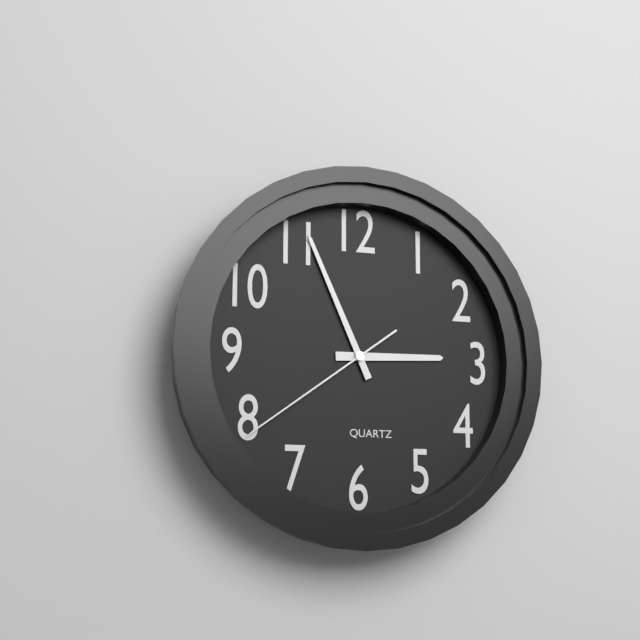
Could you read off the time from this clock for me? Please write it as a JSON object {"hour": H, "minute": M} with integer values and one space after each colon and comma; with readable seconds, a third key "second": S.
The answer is {"hour": 2, "minute": 56, "second": 39}
